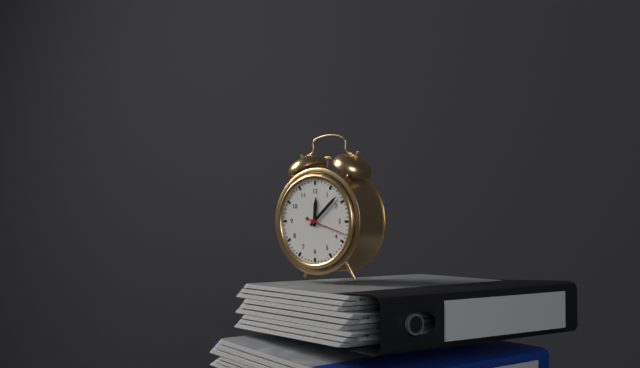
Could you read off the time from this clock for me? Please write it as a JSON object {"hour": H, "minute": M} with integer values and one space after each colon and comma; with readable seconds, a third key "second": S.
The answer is {"hour": 12, "minute": 8}
